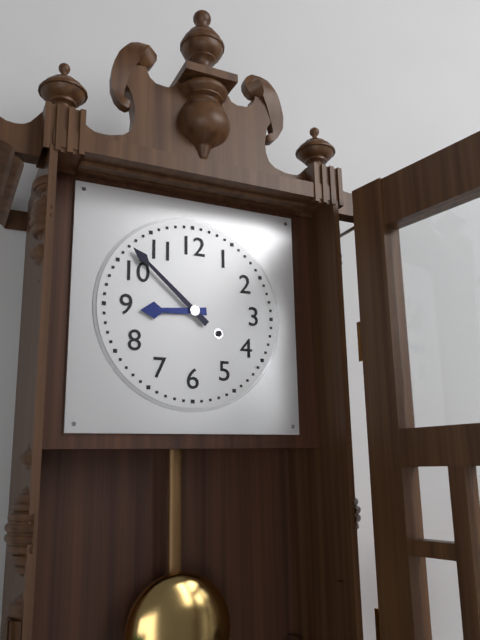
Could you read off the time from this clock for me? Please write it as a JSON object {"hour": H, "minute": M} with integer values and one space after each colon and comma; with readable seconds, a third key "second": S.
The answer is {"hour": 8, "minute": 52}
